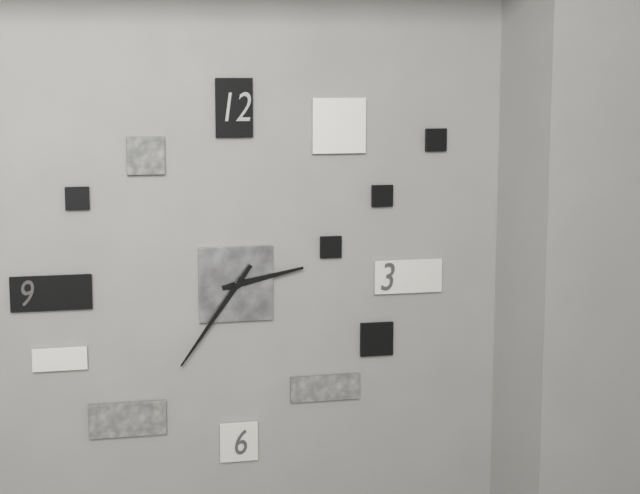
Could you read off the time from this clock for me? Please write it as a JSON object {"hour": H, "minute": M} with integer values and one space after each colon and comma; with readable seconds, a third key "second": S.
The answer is {"hour": 2, "minute": 36}
